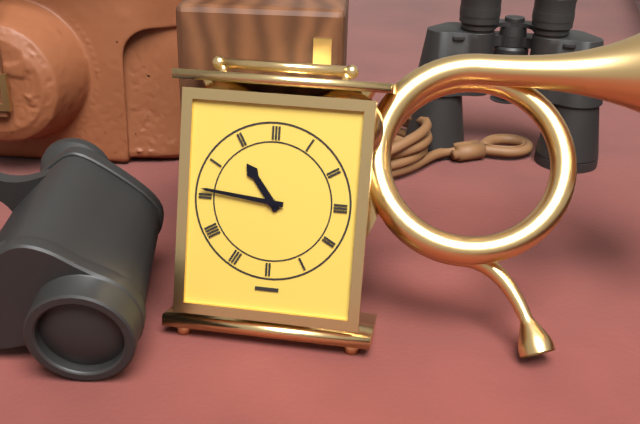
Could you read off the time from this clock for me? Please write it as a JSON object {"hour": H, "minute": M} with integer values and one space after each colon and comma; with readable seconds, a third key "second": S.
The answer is {"hour": 10, "minute": 46}
